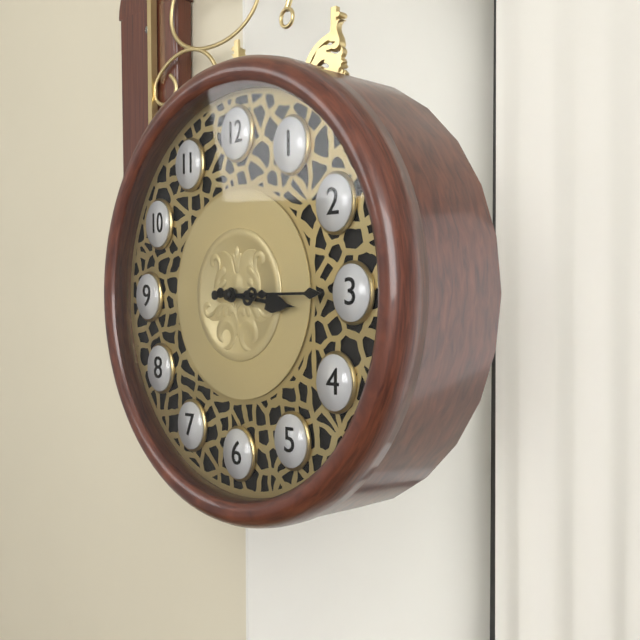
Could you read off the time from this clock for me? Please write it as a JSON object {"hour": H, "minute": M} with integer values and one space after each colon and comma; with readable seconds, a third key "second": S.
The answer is {"hour": 3, "minute": 15}
